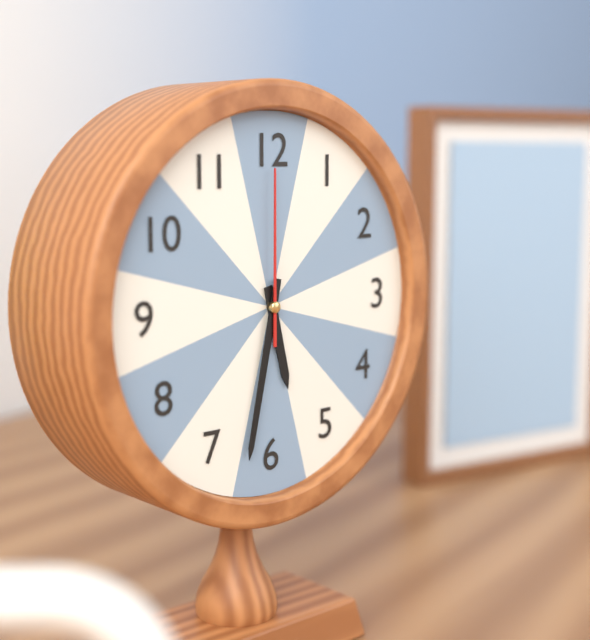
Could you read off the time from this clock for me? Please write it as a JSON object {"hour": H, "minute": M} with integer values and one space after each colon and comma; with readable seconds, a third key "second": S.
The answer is {"hour": 5, "minute": 32, "second": 0}
